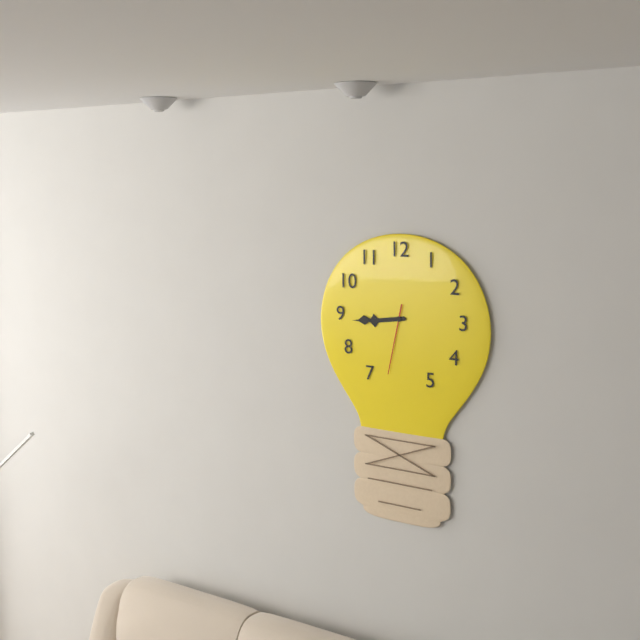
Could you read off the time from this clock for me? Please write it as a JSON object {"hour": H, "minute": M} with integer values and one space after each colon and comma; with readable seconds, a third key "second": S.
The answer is {"hour": 8, "minute": 44, "second": 32}
